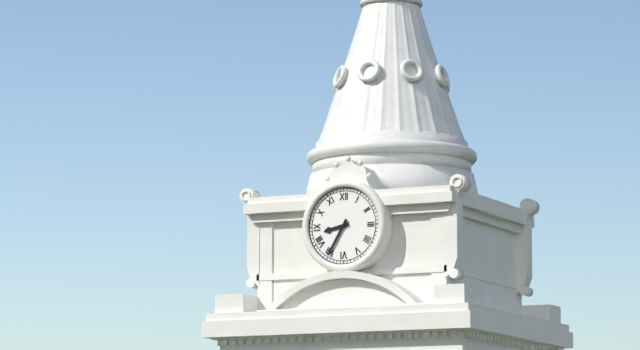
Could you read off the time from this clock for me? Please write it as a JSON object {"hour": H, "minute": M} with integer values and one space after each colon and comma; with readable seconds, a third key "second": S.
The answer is {"hour": 8, "minute": 35}
